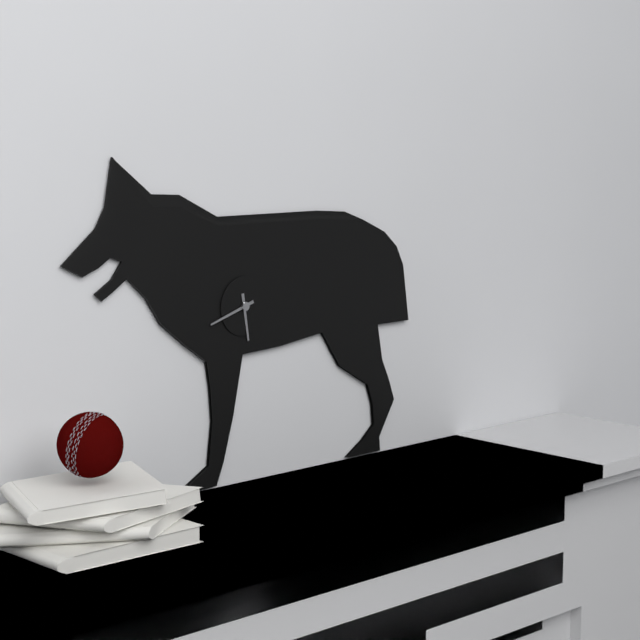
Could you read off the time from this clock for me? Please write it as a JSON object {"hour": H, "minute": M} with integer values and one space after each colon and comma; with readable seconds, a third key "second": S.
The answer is {"hour": 5, "minute": 42}
